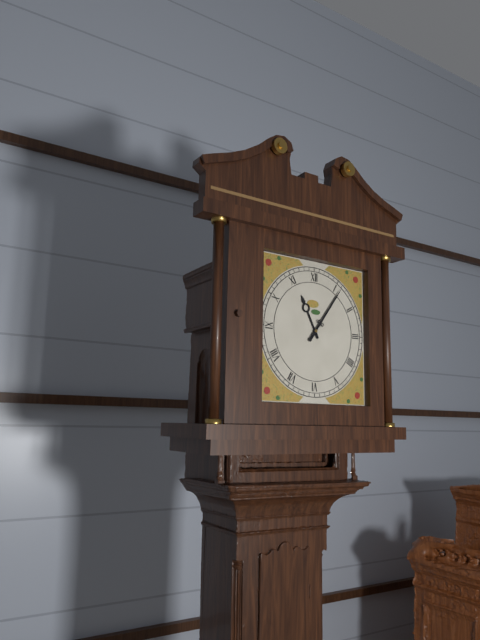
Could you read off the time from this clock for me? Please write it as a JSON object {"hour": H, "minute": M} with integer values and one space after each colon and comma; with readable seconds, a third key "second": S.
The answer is {"hour": 11, "minute": 6}
